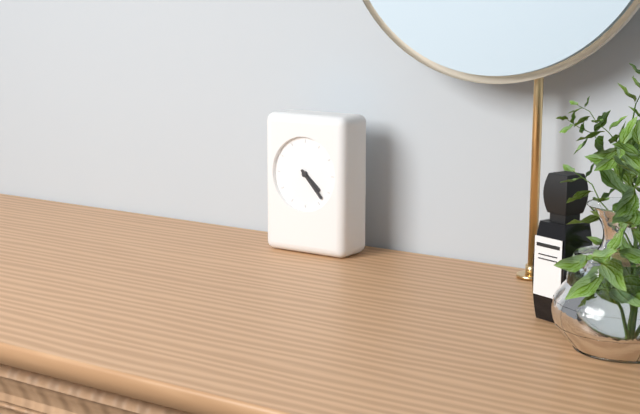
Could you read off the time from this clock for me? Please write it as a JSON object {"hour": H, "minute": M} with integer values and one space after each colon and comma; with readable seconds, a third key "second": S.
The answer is {"hour": 4, "minute": 23}
